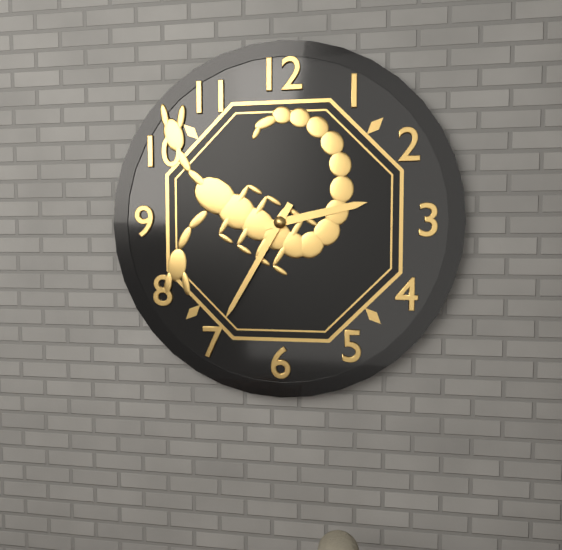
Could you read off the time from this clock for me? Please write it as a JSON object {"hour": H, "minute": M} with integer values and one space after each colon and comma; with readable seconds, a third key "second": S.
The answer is {"hour": 2, "minute": 35}
